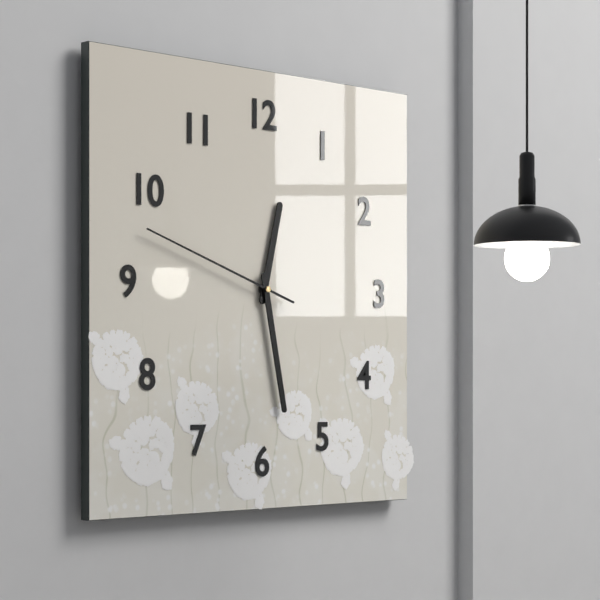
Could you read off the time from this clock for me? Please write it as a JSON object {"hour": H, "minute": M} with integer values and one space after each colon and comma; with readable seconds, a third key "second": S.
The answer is {"hour": 12, "minute": 28, "second": 48}
